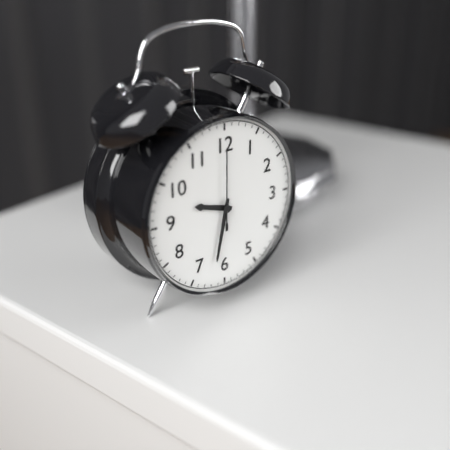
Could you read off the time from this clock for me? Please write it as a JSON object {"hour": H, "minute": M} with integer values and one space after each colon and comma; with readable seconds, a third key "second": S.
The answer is {"hour": 9, "minute": 32, "second": 0}
